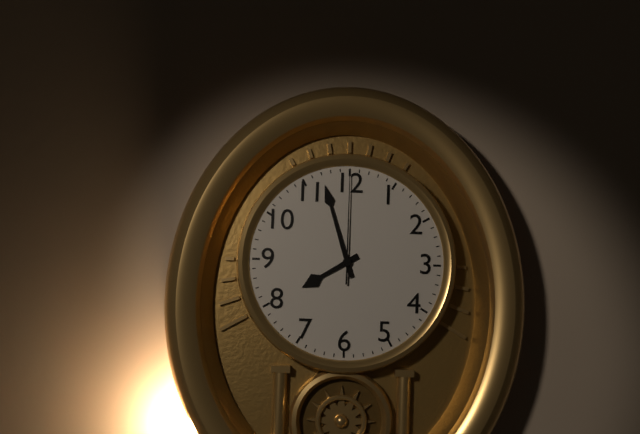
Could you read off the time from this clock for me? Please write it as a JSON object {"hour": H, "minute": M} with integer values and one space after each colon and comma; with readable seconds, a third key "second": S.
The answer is {"hour": 7, "minute": 57, "second": 0}
